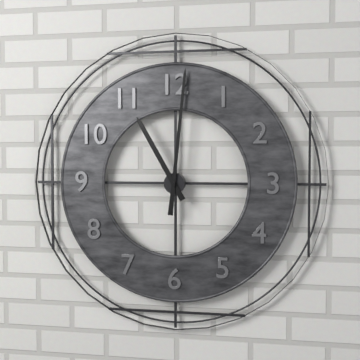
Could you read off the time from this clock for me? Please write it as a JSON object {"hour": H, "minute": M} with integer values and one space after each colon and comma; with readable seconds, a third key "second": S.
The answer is {"hour": 11, "minute": 1}
